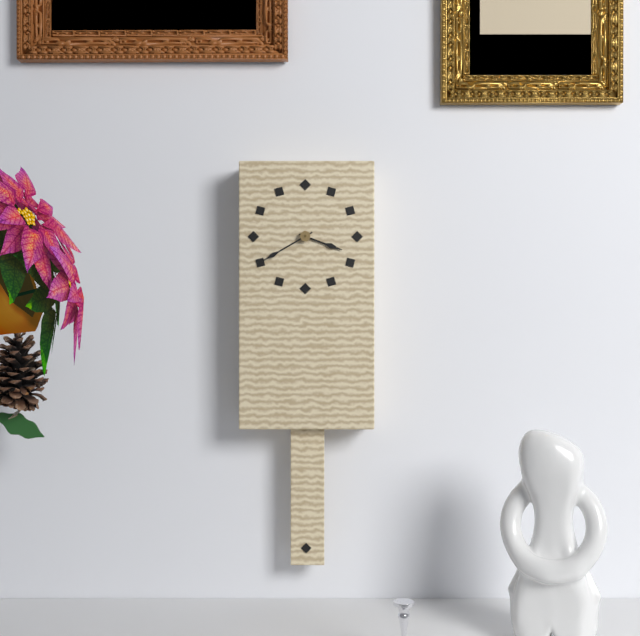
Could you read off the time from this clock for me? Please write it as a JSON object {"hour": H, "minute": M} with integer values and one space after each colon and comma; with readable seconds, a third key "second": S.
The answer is {"hour": 3, "minute": 40}
